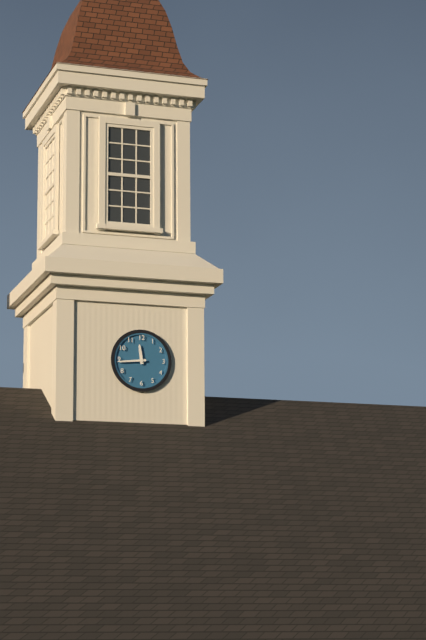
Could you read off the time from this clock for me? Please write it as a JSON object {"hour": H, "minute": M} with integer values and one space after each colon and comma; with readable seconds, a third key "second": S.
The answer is {"hour": 11, "minute": 44}
